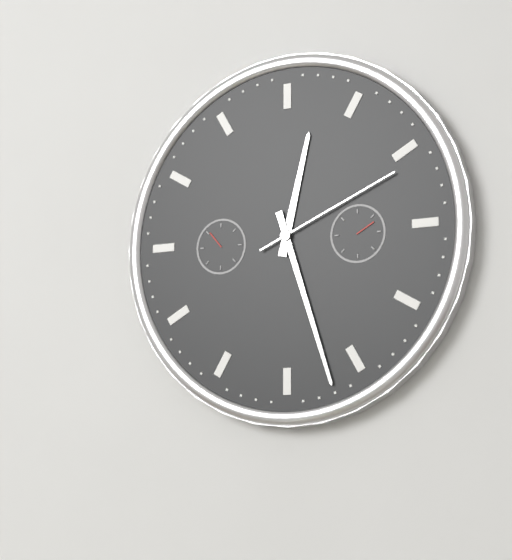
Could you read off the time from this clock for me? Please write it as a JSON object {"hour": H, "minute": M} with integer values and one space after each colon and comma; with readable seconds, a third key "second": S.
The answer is {"hour": 12, "minute": 27, "second": 11}
